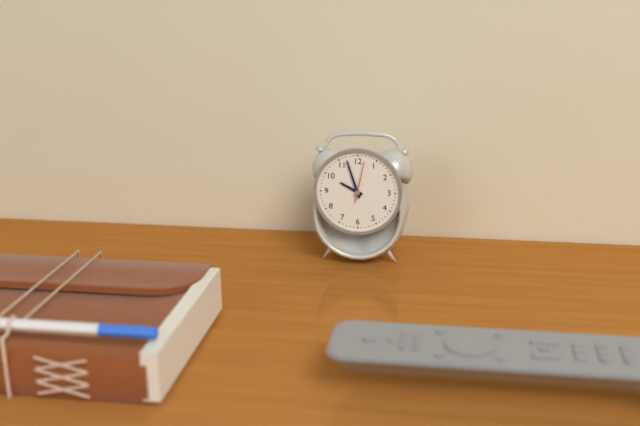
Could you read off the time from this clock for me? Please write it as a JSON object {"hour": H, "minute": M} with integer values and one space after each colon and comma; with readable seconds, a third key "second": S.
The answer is {"hour": 9, "minute": 57}
